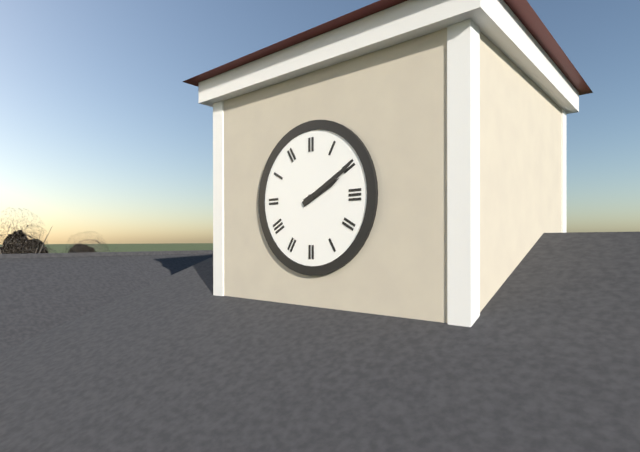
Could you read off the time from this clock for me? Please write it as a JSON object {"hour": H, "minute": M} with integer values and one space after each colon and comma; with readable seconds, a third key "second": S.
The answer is {"hour": 2, "minute": 10}
